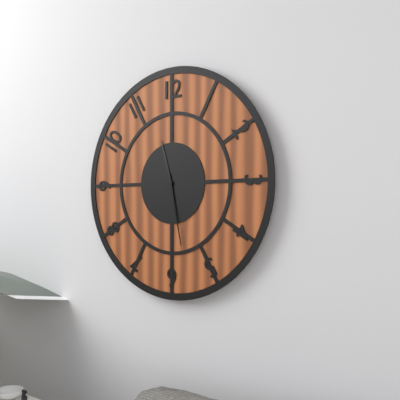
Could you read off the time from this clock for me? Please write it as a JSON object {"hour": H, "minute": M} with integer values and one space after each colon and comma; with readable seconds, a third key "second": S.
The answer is {"hour": 11, "minute": 28}
